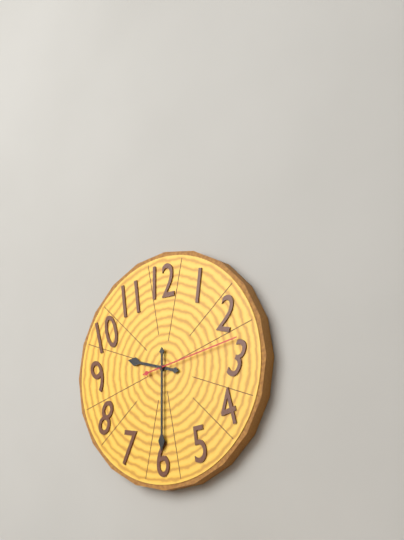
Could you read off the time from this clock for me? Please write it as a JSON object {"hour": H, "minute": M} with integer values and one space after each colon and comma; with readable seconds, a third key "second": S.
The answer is {"hour": 9, "minute": 30, "second": 13}
